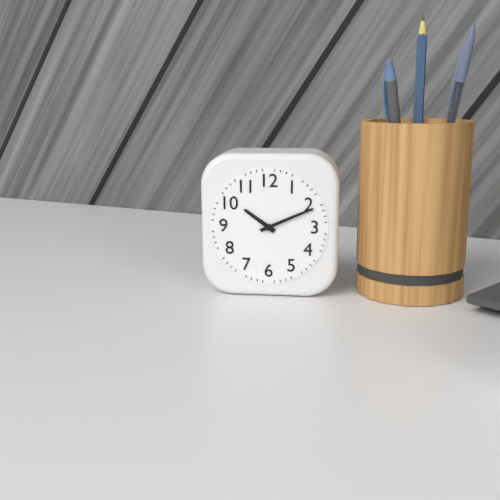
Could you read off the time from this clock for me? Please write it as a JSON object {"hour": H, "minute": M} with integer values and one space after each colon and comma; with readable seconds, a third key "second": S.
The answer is {"hour": 10, "minute": 11}
